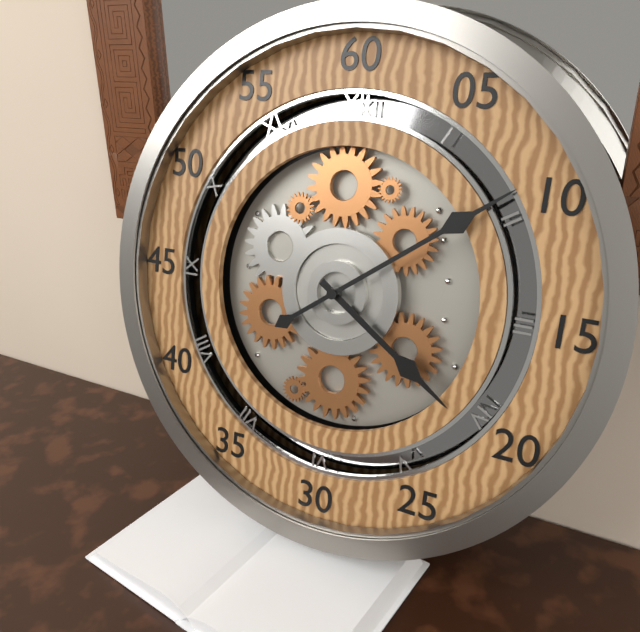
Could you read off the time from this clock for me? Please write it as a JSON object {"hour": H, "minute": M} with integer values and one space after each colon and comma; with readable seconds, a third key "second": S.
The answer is {"hour": 4, "minute": 9}
